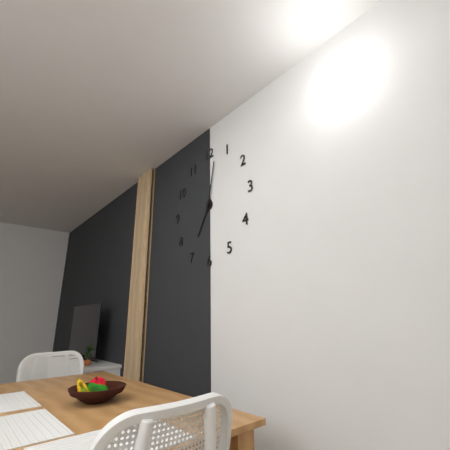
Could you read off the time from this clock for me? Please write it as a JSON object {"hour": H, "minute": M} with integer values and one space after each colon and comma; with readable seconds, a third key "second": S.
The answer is {"hour": 7, "minute": 2}
